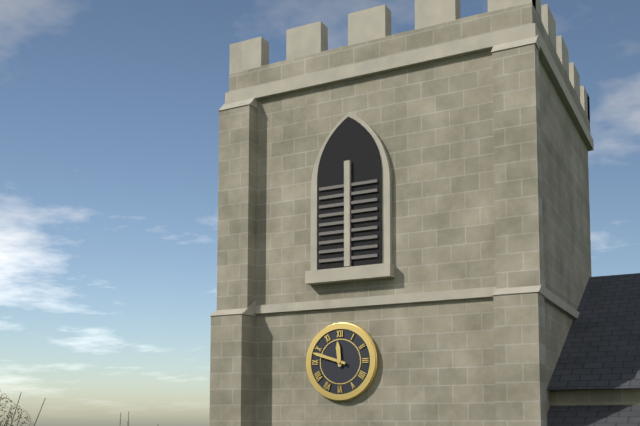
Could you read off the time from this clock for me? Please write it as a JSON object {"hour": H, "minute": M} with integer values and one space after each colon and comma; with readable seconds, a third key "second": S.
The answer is {"hour": 11, "minute": 48}
